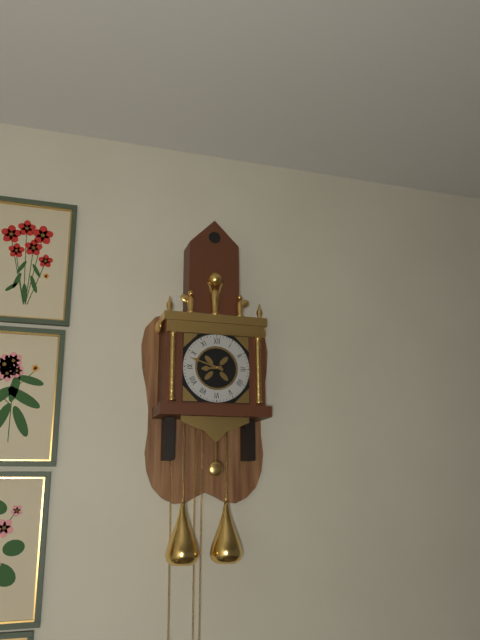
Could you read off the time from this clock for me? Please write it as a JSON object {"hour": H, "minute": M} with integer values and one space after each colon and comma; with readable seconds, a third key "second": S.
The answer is {"hour": 8, "minute": 48}
